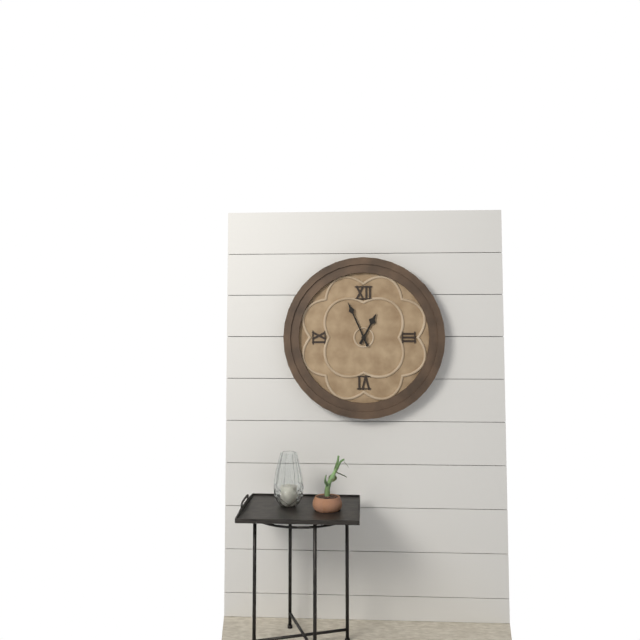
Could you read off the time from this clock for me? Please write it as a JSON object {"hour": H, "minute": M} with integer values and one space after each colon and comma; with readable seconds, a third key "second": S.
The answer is {"hour": 12, "minute": 56}
